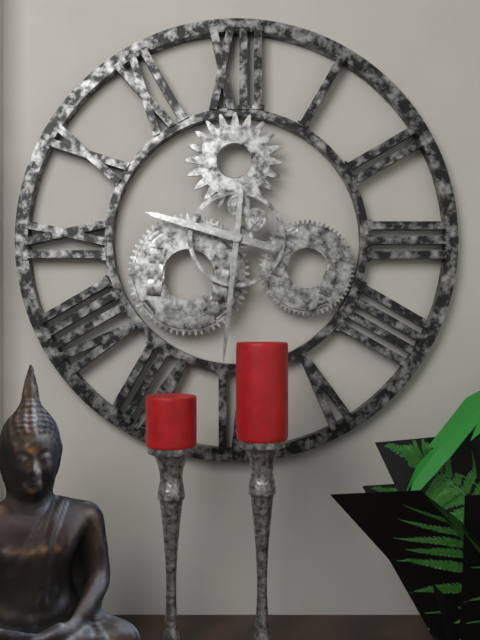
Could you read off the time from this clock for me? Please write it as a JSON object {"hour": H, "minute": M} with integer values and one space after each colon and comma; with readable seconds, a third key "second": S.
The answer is {"hour": 9, "minute": 31}
